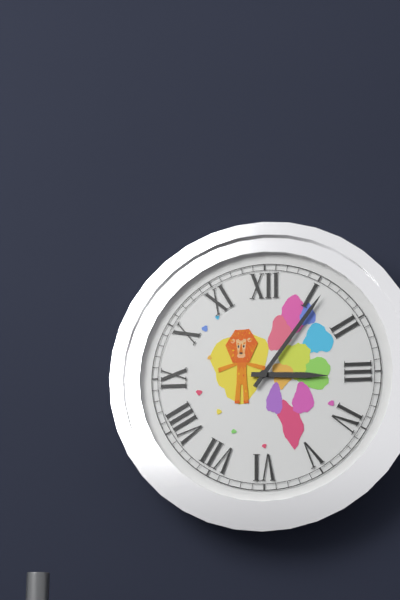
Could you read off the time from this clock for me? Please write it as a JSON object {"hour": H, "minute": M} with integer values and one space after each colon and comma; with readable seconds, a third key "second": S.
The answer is {"hour": 3, "minute": 6}
